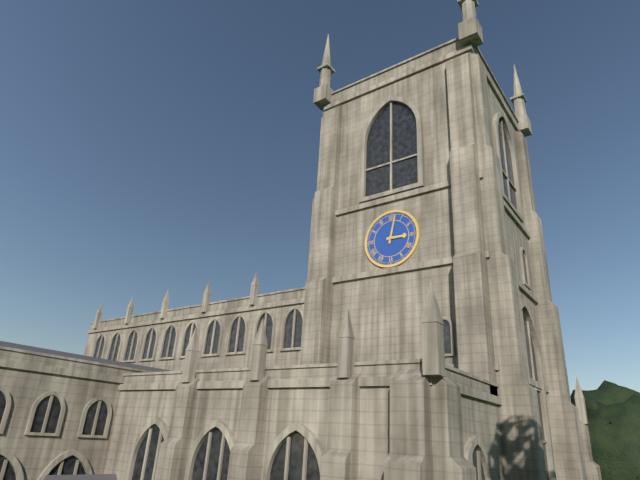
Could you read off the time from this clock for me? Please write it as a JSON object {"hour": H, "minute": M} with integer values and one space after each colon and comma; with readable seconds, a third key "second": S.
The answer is {"hour": 3, "minute": 2}
